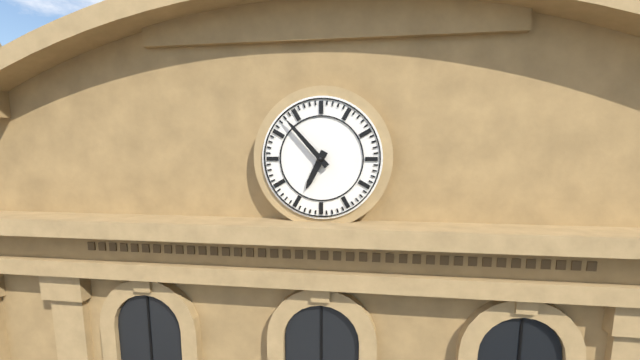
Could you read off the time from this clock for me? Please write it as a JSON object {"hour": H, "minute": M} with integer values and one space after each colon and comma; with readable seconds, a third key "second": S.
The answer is {"hour": 6, "minute": 53}
